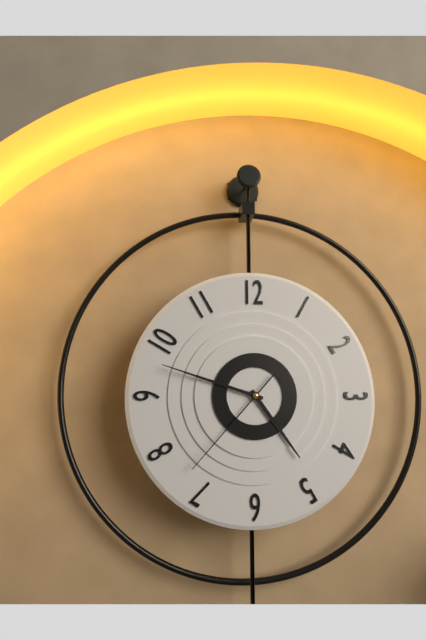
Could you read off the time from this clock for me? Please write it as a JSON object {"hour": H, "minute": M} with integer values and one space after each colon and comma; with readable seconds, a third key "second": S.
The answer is {"hour": 4, "minute": 48, "second": 37}
